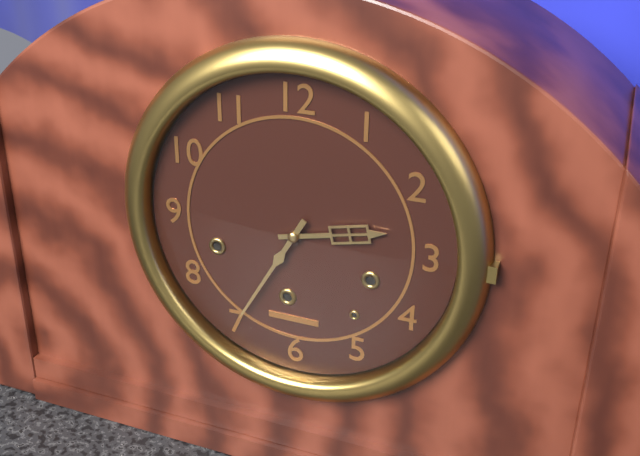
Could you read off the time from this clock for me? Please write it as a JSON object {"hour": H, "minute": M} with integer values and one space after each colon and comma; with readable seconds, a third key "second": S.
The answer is {"hour": 2, "minute": 35}
